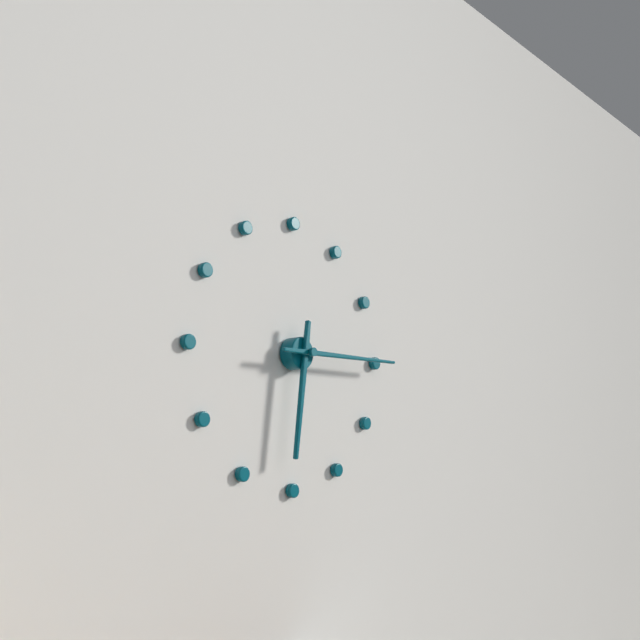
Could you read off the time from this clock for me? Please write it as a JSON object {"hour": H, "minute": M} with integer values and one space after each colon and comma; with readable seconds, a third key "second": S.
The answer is {"hour": 6, "minute": 15}
